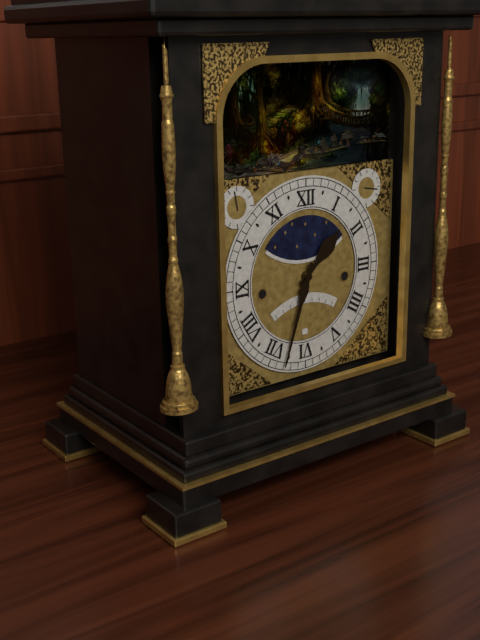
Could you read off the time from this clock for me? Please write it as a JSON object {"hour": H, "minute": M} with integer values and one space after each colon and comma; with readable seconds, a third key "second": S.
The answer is {"hour": 1, "minute": 33}
